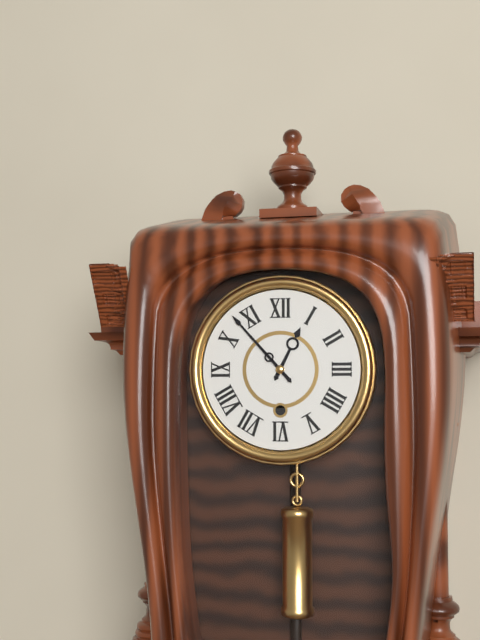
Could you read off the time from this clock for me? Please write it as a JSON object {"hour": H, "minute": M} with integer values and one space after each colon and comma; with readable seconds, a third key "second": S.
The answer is {"hour": 12, "minute": 53}
